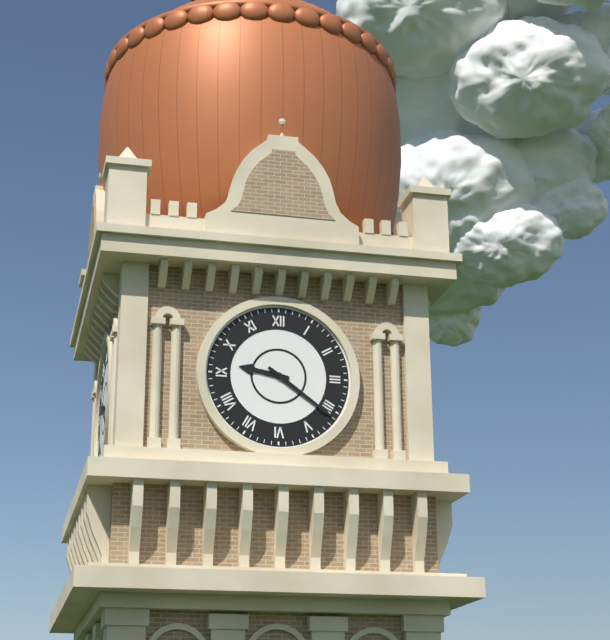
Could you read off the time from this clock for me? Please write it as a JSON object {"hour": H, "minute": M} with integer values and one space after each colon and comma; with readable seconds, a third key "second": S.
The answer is {"hour": 9, "minute": 21}
